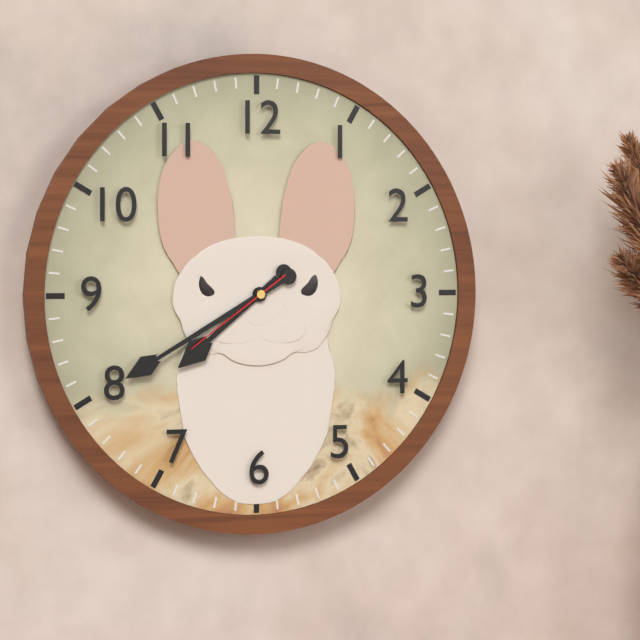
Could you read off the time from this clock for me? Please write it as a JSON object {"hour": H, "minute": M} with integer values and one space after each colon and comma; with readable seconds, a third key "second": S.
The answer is {"hour": 7, "minute": 40, "second": 39}
